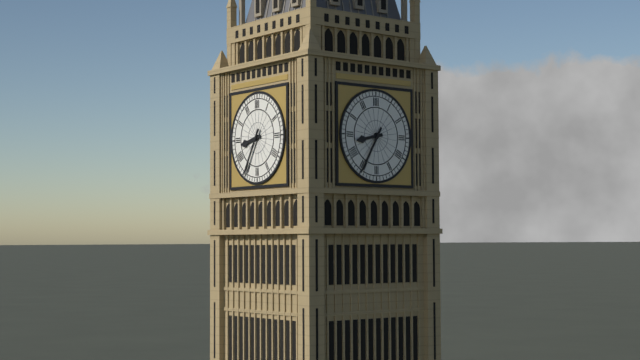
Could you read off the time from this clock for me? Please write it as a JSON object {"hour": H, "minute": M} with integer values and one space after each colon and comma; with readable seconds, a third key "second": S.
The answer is {"hour": 8, "minute": 35}
